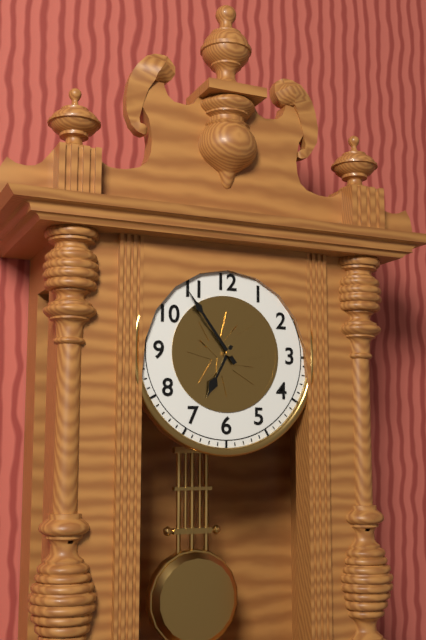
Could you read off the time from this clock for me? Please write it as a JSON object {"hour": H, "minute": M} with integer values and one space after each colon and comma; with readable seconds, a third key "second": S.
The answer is {"hour": 6, "minute": 54}
